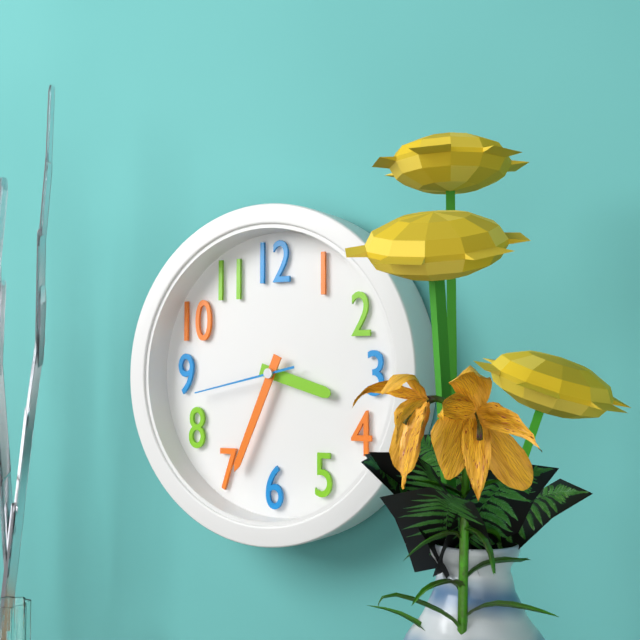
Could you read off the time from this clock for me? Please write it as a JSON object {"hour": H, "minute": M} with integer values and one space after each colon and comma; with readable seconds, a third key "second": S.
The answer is {"hour": 3, "minute": 34, "second": 43}
